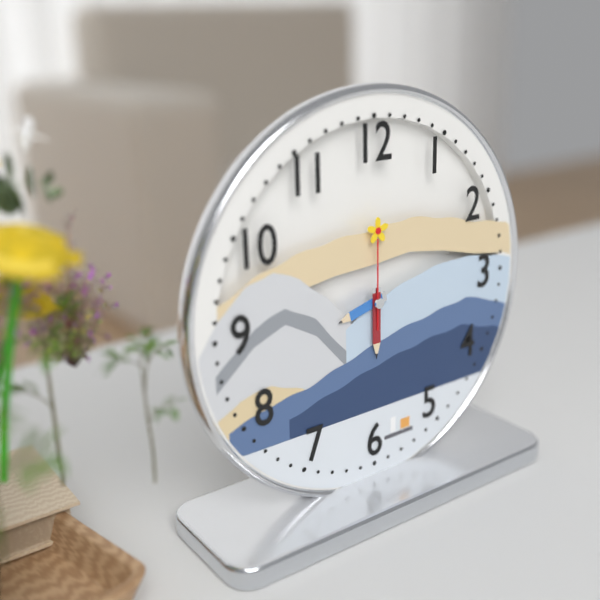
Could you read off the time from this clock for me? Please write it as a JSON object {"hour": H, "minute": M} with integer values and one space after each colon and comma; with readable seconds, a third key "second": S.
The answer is {"hour": 8, "minute": 30, "second": 0}
